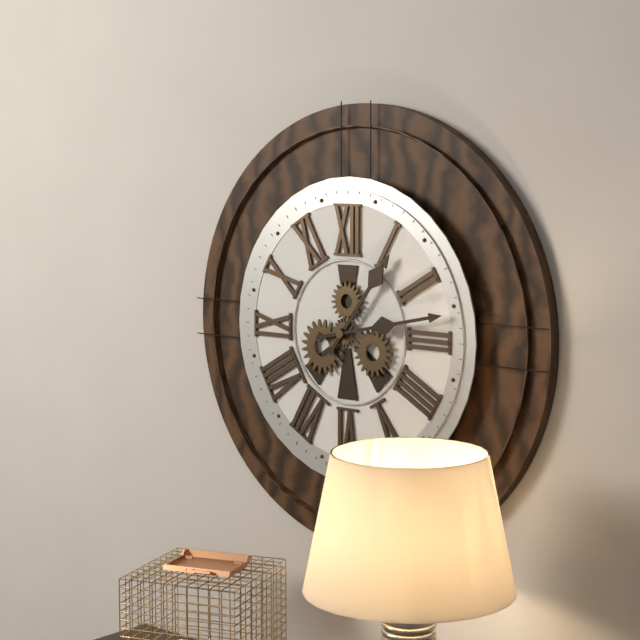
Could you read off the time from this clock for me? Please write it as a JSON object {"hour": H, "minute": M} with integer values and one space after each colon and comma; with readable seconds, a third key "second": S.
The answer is {"hour": 1, "minute": 13}
